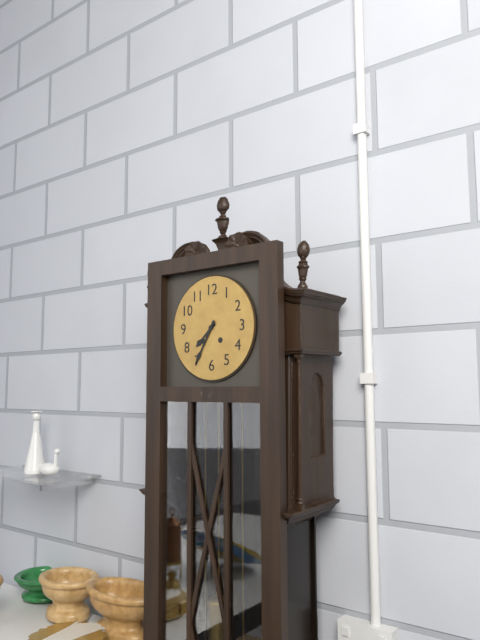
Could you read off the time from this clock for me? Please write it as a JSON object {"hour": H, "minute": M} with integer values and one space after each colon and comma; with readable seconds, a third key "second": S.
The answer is {"hour": 7, "minute": 35}
